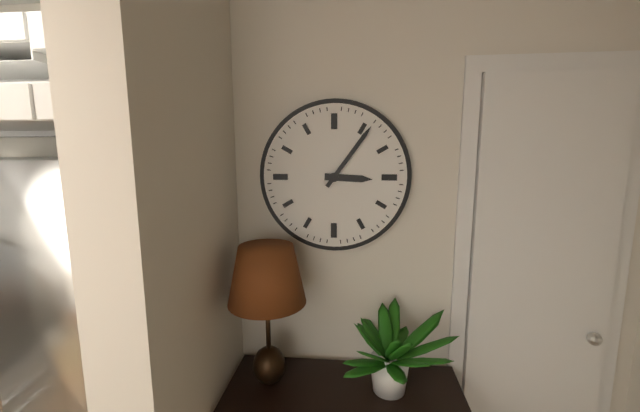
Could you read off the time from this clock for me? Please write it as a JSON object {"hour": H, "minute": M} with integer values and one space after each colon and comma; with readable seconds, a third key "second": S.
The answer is {"hour": 3, "minute": 6}
